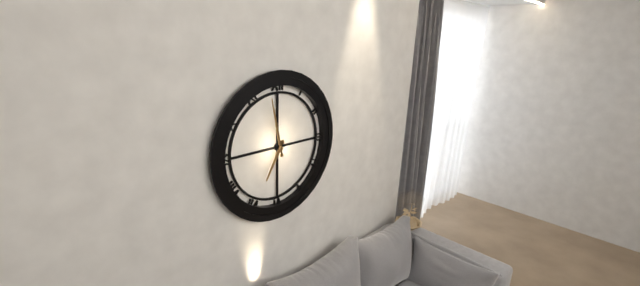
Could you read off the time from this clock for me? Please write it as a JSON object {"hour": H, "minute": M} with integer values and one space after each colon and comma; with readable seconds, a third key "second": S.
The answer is {"hour": 6, "minute": 58}
